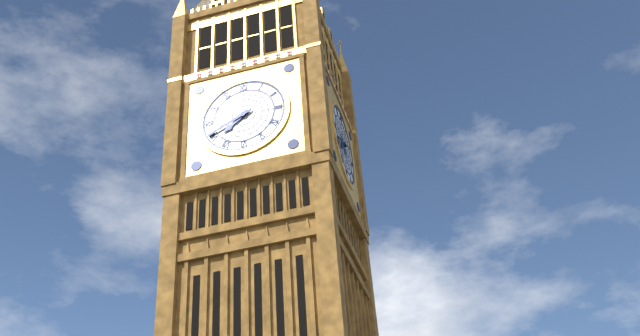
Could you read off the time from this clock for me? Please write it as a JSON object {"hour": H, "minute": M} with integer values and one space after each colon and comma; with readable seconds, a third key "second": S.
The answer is {"hour": 7, "minute": 41}
